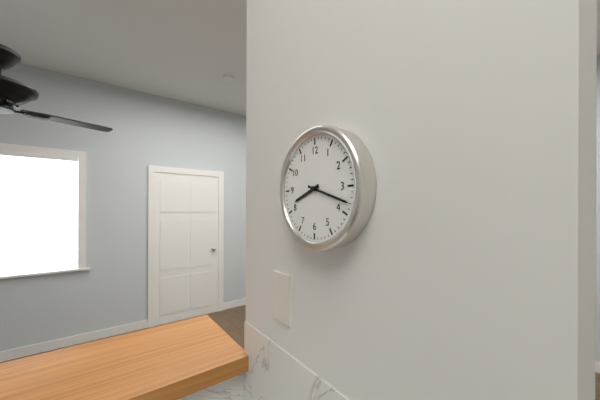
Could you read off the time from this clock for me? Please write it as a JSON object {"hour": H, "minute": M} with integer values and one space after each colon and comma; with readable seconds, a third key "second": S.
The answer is {"hour": 8, "minute": 18}
